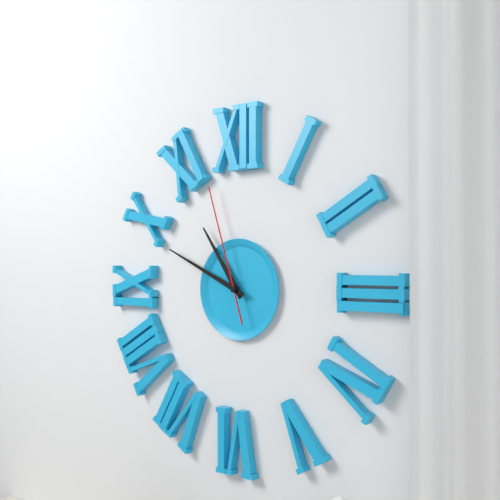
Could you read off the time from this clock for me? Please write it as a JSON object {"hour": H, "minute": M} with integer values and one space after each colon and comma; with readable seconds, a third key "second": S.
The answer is {"hour": 10, "minute": 49, "second": 57}
